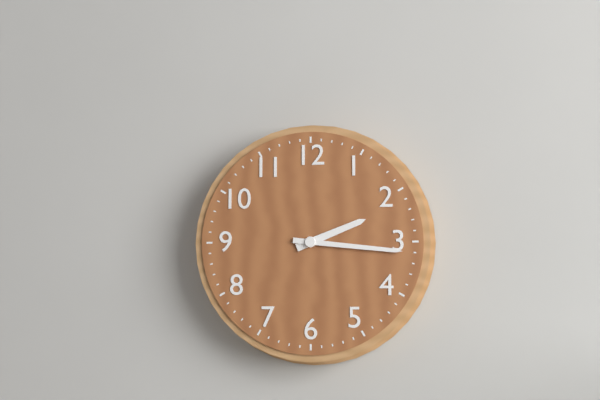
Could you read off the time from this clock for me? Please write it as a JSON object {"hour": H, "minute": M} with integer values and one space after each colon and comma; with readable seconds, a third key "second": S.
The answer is {"hour": 2, "minute": 16}
